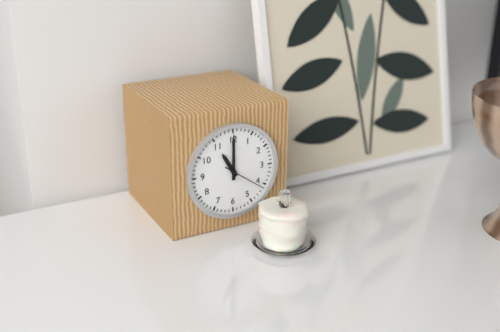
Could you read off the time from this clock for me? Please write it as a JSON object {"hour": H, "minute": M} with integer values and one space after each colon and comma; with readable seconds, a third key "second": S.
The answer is {"hour": 11, "minute": 0}
